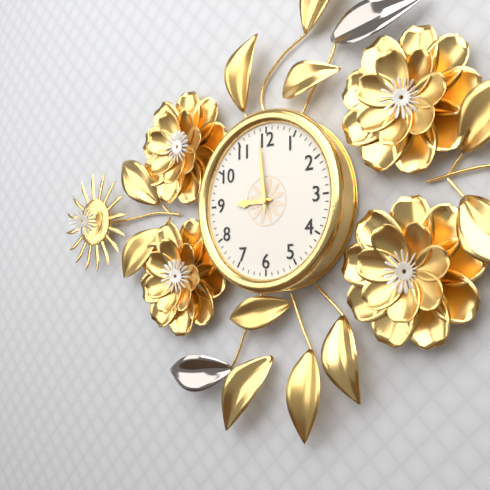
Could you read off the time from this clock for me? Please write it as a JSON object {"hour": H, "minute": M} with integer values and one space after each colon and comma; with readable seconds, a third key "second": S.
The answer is {"hour": 8, "minute": 59}
